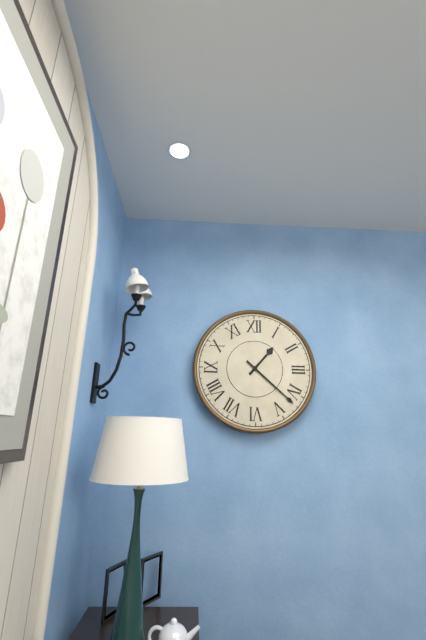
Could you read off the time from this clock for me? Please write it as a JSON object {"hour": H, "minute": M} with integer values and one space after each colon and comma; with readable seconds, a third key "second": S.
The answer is {"hour": 1, "minute": 22}
